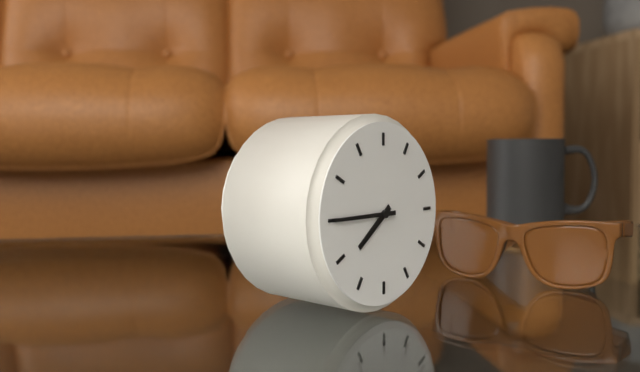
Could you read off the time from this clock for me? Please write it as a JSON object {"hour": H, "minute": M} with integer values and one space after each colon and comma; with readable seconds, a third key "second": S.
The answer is {"hour": 7, "minute": 45}
